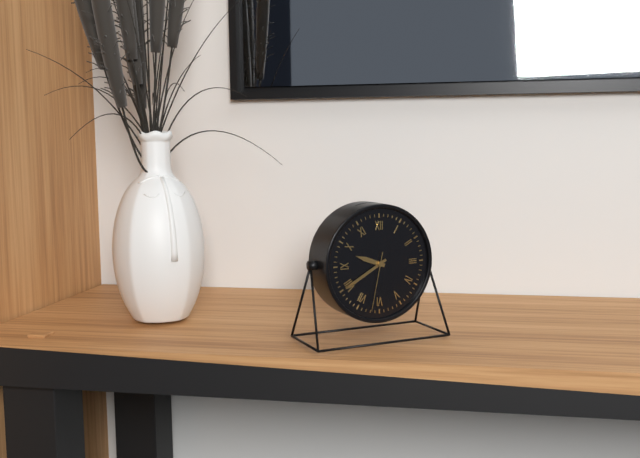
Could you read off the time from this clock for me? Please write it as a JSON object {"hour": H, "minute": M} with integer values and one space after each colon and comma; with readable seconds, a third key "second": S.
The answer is {"hour": 9, "minute": 40, "second": 32}
